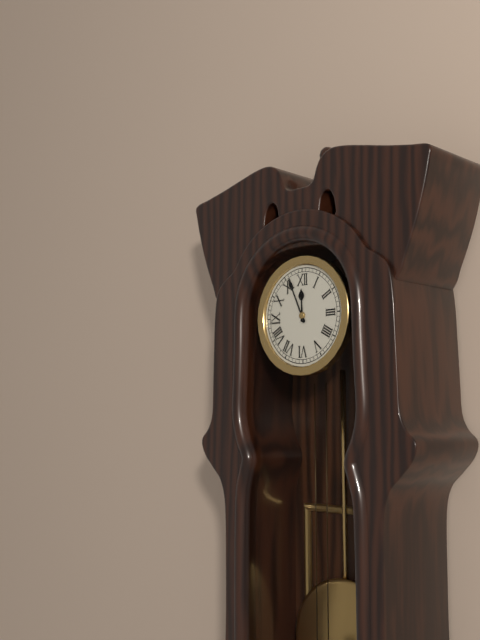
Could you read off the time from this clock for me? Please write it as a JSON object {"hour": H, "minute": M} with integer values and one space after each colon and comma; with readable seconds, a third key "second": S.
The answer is {"hour": 11, "minute": 56}
